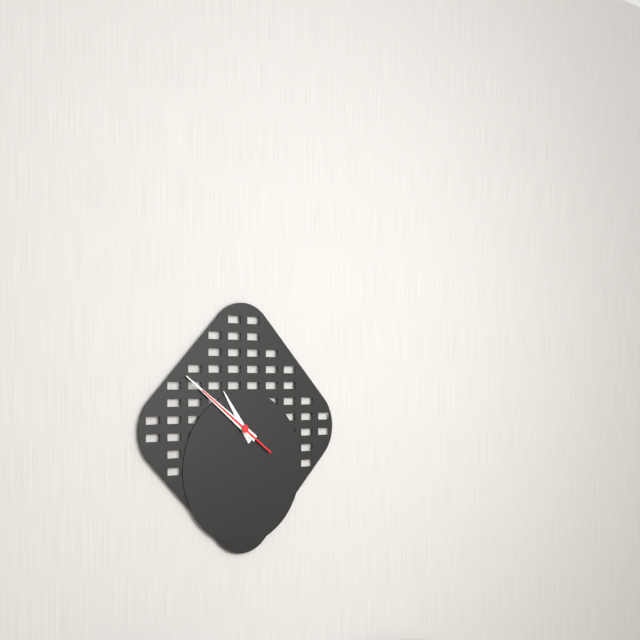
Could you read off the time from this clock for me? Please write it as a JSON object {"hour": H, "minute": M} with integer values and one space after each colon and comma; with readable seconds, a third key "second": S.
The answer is {"hour": 10, "minute": 51, "second": 51}
